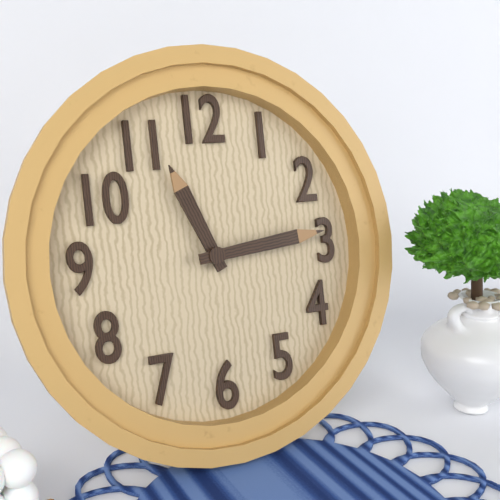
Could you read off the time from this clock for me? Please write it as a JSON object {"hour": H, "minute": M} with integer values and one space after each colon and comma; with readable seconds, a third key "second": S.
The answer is {"hour": 11, "minute": 14}
